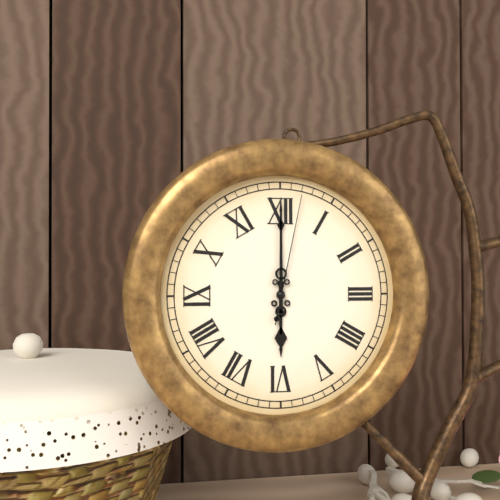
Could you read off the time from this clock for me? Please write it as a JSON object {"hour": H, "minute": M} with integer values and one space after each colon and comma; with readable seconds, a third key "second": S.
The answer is {"hour": 6, "minute": 0, "second": 2}
